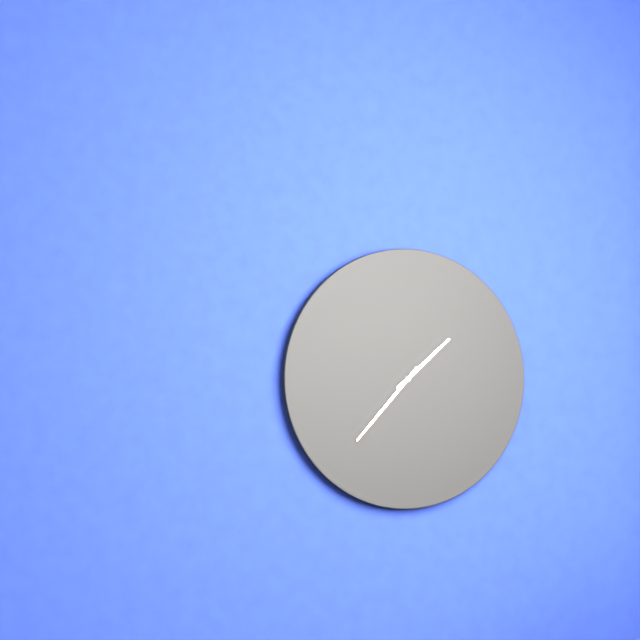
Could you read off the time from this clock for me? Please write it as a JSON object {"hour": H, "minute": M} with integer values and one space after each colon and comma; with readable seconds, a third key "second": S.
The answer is {"hour": 1, "minute": 37}
